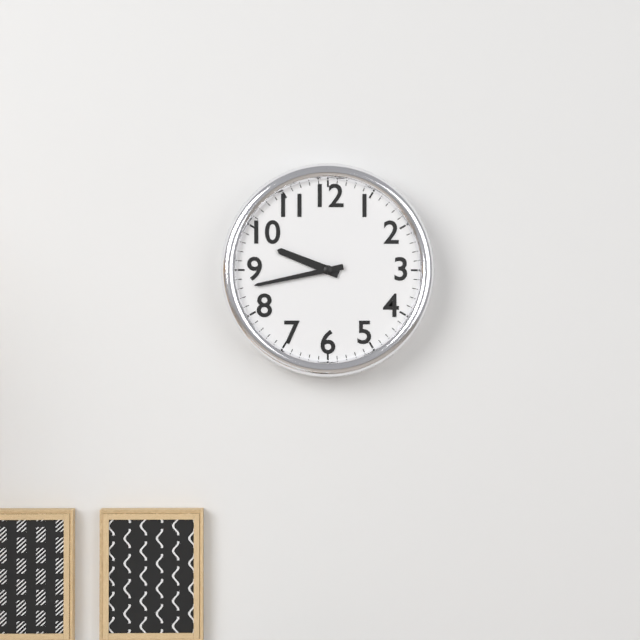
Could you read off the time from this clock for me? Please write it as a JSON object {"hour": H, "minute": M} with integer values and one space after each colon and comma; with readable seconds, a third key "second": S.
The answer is {"hour": 9, "minute": 43}
